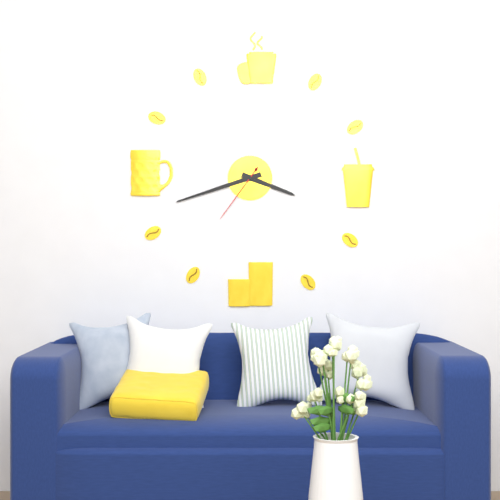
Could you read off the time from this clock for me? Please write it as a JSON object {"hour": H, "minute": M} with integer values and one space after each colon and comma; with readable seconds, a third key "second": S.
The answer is {"hour": 3, "minute": 42, "second": 36}
